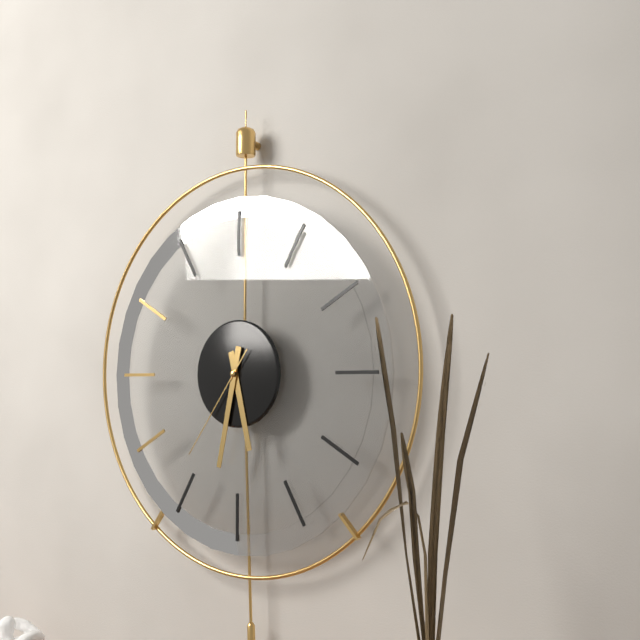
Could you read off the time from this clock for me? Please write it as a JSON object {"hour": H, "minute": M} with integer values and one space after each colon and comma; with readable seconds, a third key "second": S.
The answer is {"hour": 5, "minute": 32, "second": 36}
